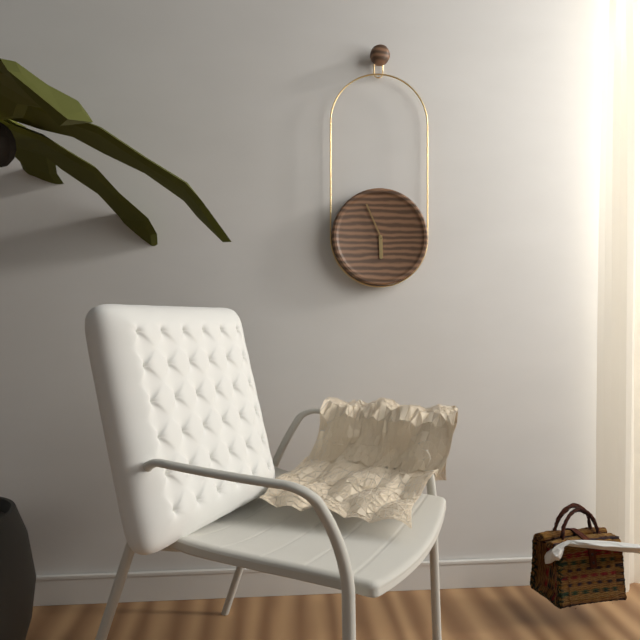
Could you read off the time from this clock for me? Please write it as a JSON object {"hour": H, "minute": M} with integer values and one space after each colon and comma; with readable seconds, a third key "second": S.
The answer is {"hour": 5, "minute": 56}
